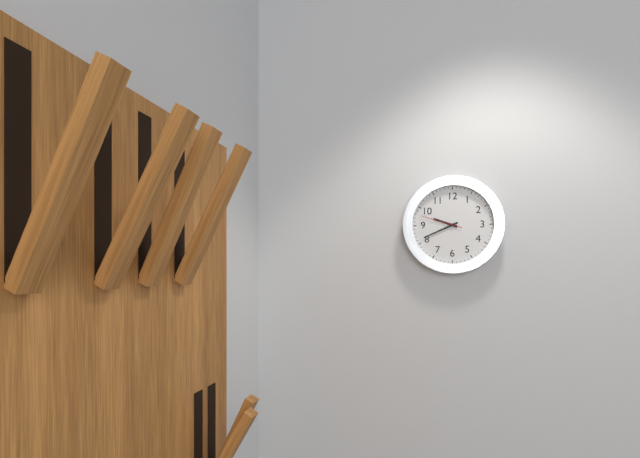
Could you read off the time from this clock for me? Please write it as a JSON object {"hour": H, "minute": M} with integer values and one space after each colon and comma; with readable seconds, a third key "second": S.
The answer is {"hour": 9, "minute": 41}
